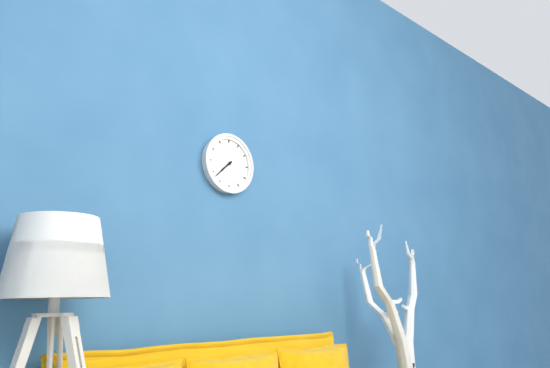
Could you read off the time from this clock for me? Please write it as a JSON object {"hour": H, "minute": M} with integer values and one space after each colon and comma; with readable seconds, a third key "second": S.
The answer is {"hour": 7, "minute": 38}
